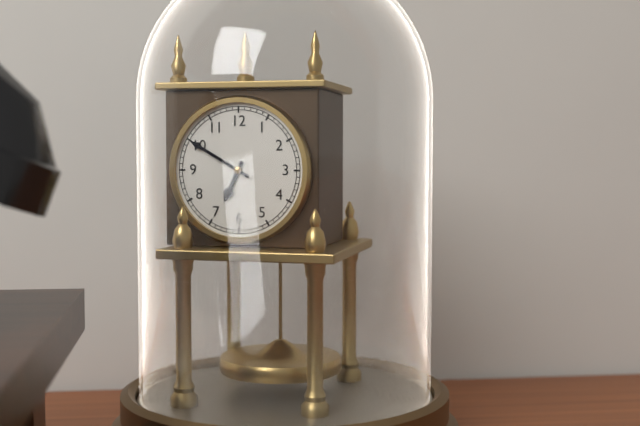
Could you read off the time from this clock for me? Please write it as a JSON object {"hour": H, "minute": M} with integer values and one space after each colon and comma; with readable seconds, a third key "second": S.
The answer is {"hour": 6, "minute": 50}
